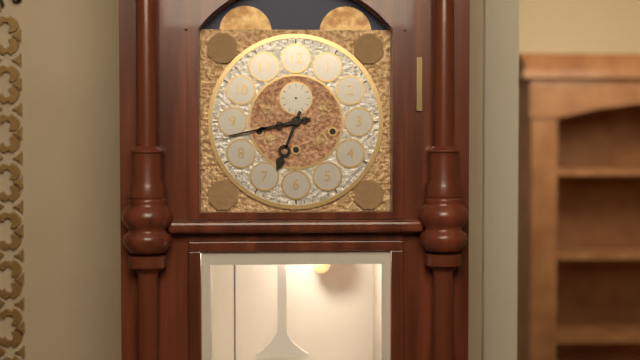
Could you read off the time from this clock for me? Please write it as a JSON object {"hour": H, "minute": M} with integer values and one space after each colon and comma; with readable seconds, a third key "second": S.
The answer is {"hour": 6, "minute": 43}
